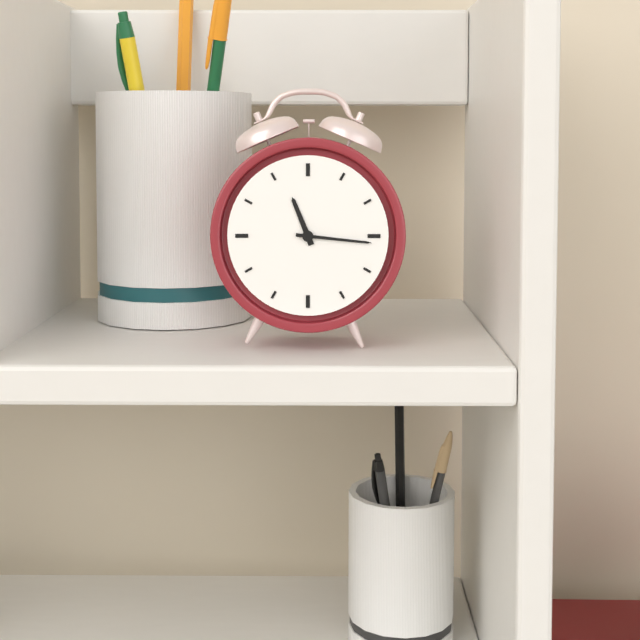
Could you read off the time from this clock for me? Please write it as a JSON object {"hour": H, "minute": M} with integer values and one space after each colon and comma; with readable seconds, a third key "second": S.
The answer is {"hour": 11, "minute": 16}
